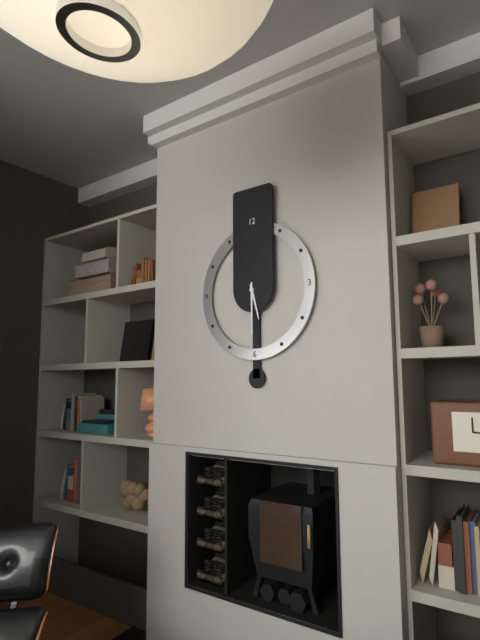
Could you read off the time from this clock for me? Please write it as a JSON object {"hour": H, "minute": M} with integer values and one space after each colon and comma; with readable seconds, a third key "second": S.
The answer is {"hour": 5, "minute": 30}
